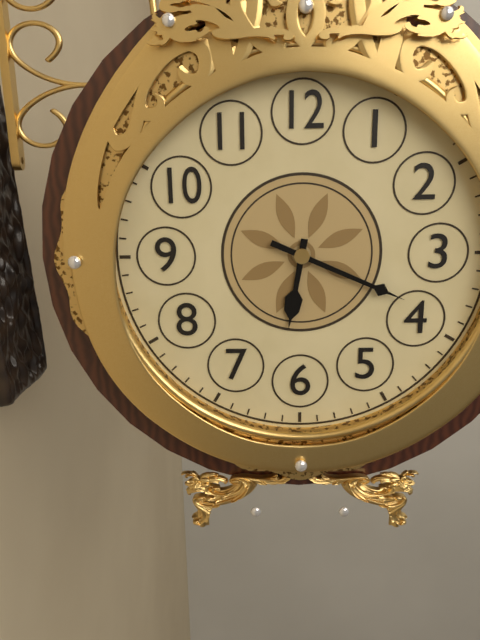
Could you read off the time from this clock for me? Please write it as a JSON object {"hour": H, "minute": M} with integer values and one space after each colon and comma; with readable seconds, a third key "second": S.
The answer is {"hour": 6, "minute": 19}
